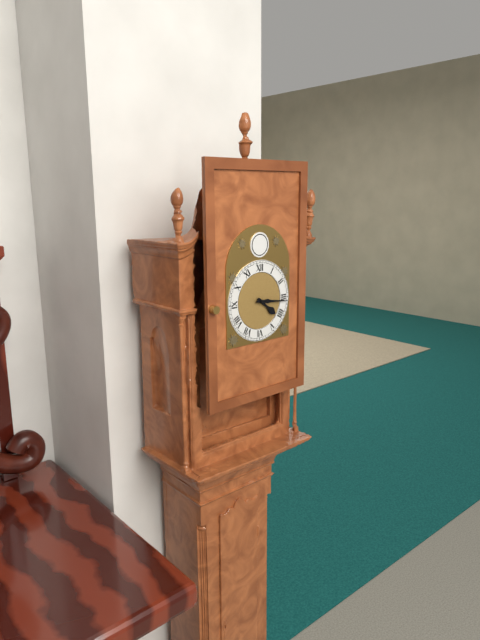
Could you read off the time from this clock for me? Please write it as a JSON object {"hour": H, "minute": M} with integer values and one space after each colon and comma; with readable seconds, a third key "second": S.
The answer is {"hour": 4, "minute": 16}
